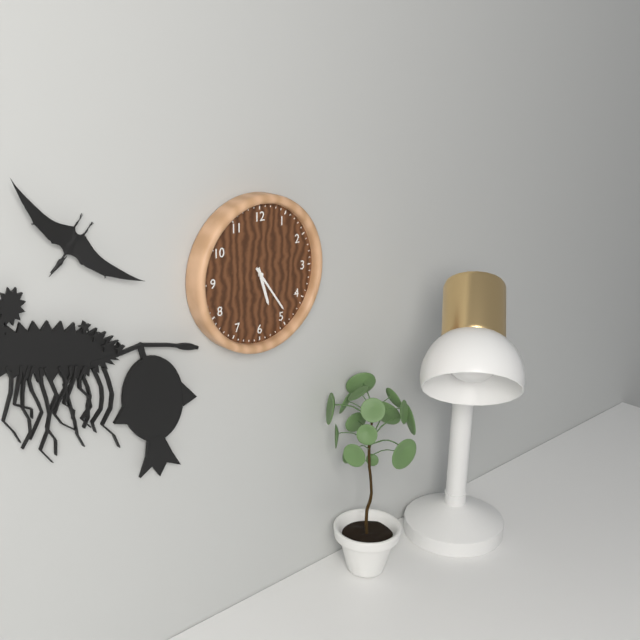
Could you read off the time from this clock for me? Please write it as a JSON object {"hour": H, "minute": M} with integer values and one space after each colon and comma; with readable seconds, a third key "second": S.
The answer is {"hour": 5, "minute": 24}
